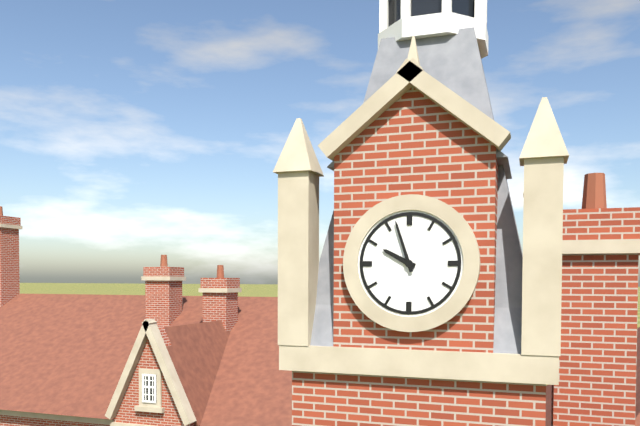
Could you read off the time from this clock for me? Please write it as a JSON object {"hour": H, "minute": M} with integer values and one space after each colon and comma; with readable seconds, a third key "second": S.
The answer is {"hour": 9, "minute": 57}
